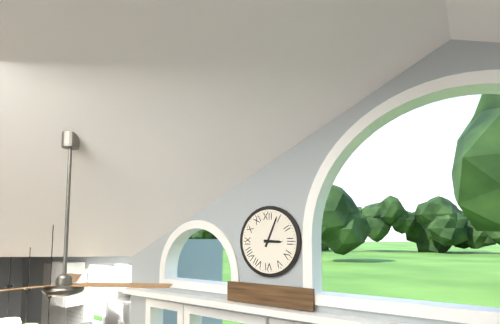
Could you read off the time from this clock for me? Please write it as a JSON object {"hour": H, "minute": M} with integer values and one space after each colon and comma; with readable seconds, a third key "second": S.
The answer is {"hour": 3, "minute": 4}
